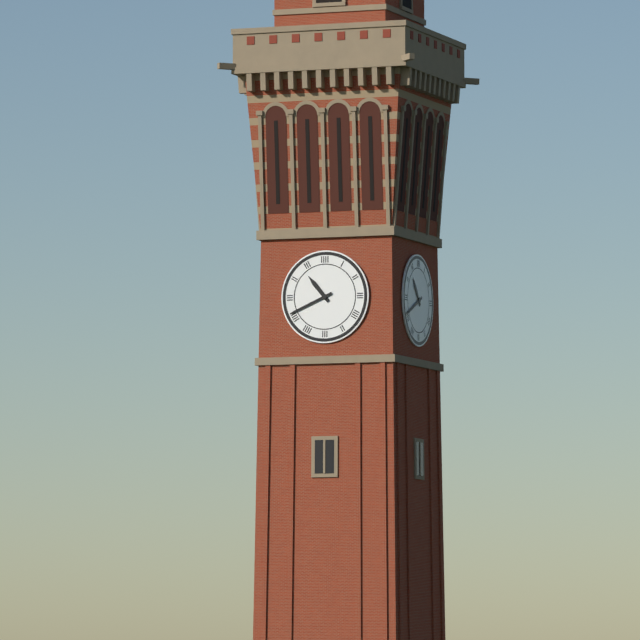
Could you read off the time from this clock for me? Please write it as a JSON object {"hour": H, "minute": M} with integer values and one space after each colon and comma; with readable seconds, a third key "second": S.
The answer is {"hour": 10, "minute": 41}
